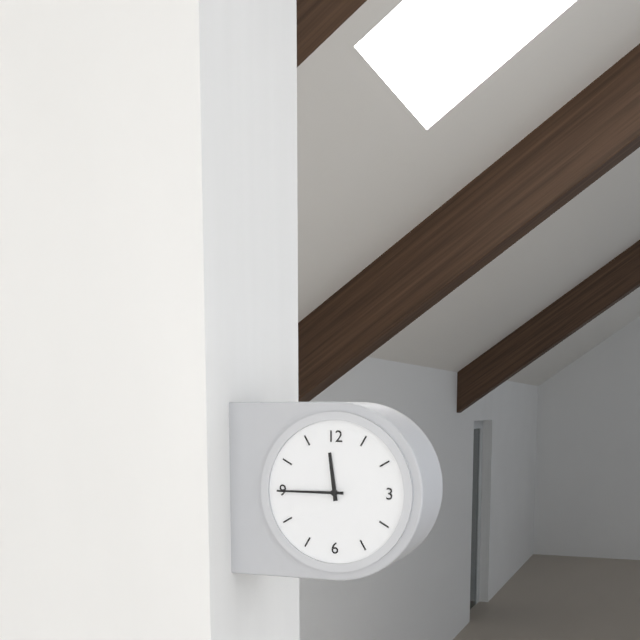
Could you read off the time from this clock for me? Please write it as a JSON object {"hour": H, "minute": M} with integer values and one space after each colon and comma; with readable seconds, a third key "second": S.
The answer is {"hour": 11, "minute": 45}
